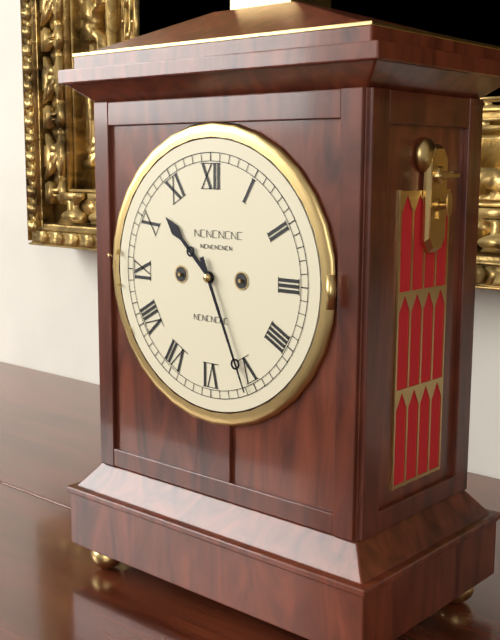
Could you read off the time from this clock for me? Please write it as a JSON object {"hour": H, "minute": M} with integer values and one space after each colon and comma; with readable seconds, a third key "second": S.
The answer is {"hour": 10, "minute": 26}
